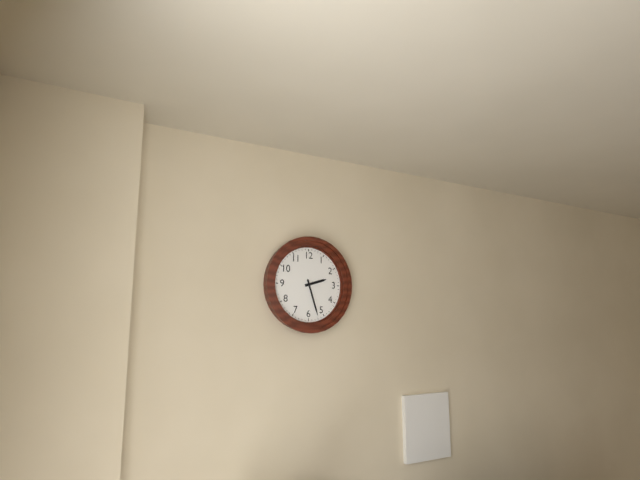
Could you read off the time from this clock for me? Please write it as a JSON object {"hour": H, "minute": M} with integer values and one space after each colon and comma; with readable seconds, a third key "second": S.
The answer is {"hour": 2, "minute": 27}
